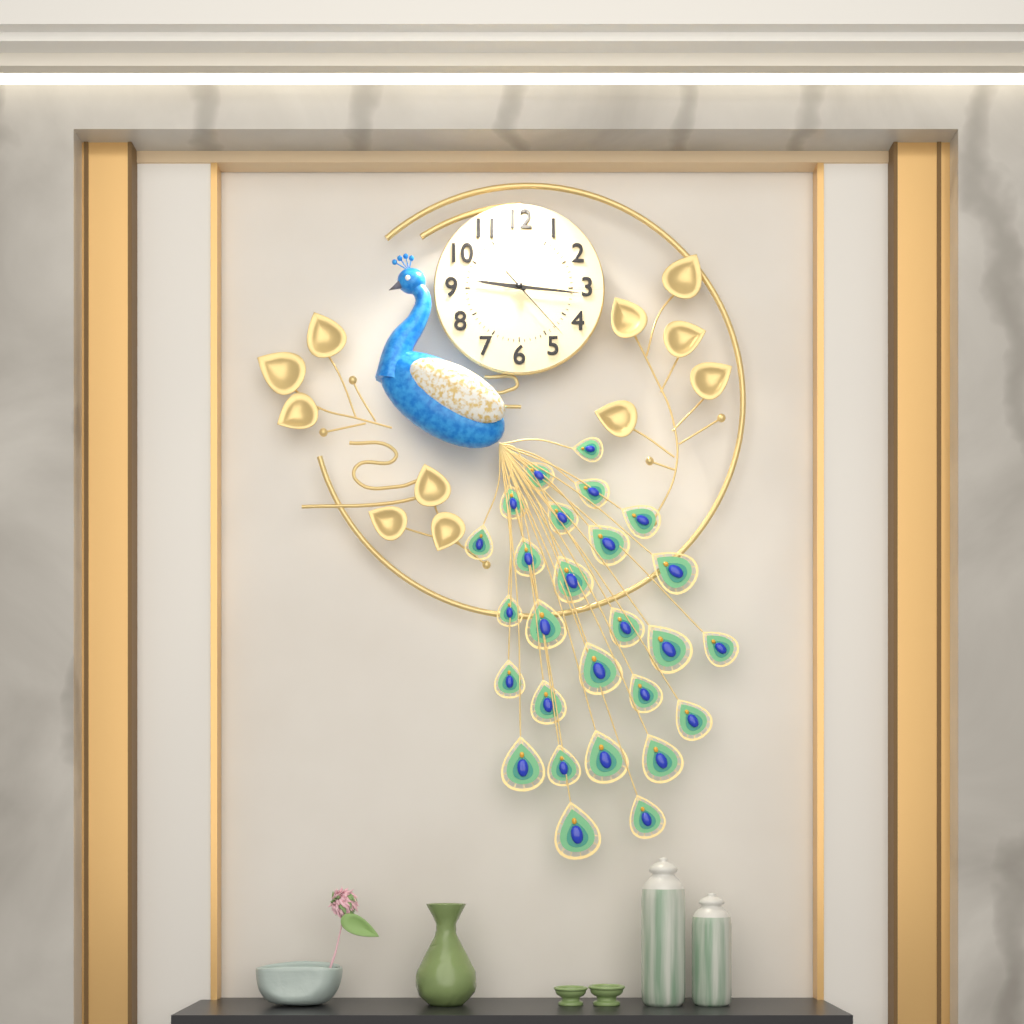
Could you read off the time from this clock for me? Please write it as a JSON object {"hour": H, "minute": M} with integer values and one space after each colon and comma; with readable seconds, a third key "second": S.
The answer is {"hour": 9, "minute": 16, "second": 23}
